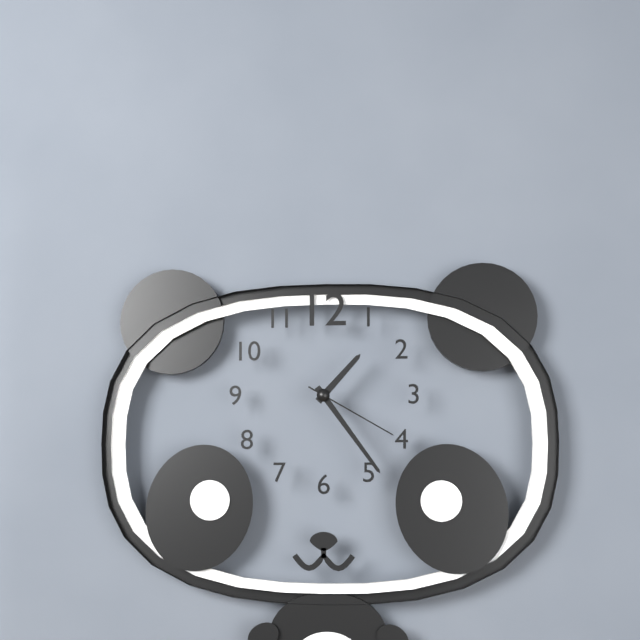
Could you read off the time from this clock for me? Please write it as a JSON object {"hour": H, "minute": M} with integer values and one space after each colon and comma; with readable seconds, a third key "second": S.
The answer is {"hour": 1, "minute": 24, "second": 20}
